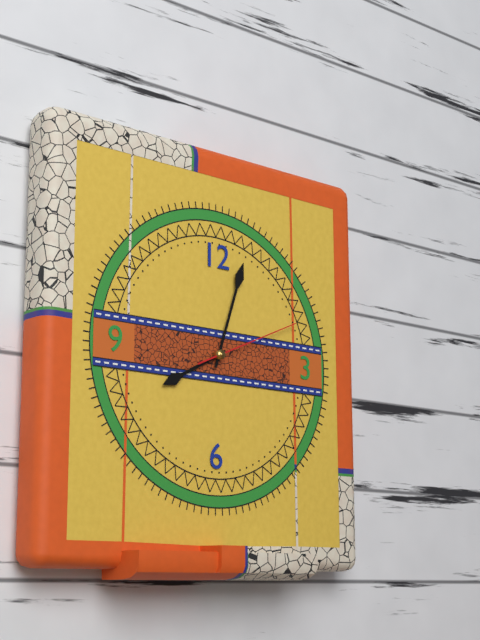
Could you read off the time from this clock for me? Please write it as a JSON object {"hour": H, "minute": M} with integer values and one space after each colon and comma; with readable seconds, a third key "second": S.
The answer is {"hour": 8, "minute": 3, "second": 11}
